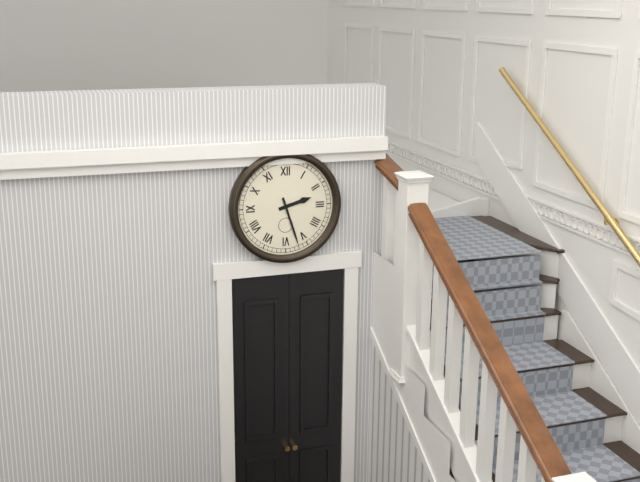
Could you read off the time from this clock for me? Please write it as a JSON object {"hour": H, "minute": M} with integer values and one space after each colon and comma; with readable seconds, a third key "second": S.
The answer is {"hour": 2, "minute": 27}
